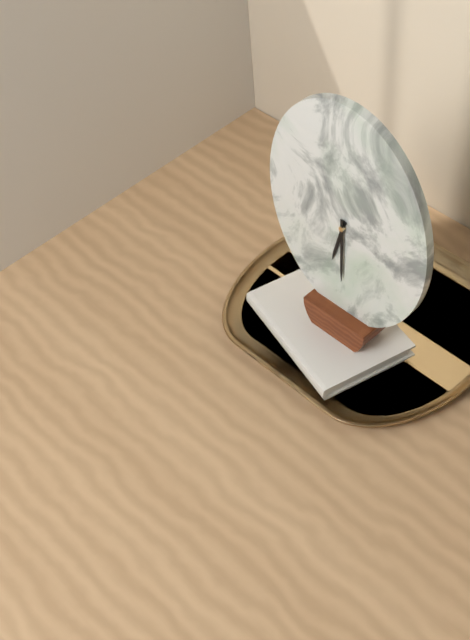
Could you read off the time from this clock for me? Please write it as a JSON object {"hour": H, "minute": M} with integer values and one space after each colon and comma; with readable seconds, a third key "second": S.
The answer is {"hour": 6, "minute": 30}
